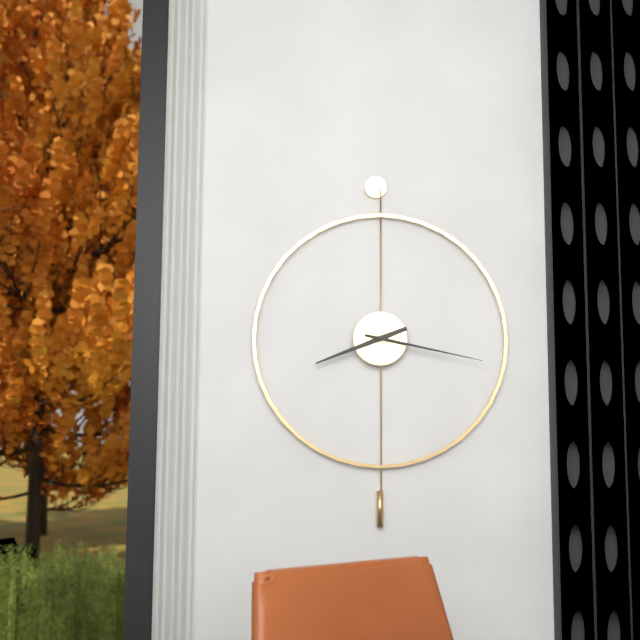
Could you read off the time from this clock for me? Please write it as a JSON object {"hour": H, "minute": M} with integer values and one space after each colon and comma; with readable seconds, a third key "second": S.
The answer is {"hour": 8, "minute": 17}
